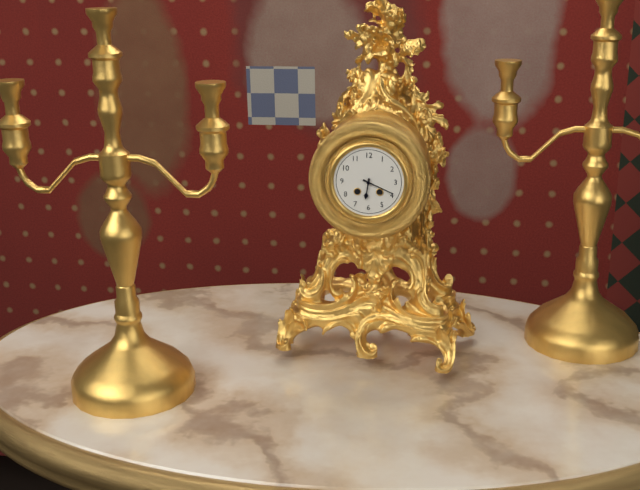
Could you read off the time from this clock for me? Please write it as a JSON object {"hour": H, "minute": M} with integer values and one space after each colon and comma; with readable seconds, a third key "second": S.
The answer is {"hour": 6, "minute": 19}
